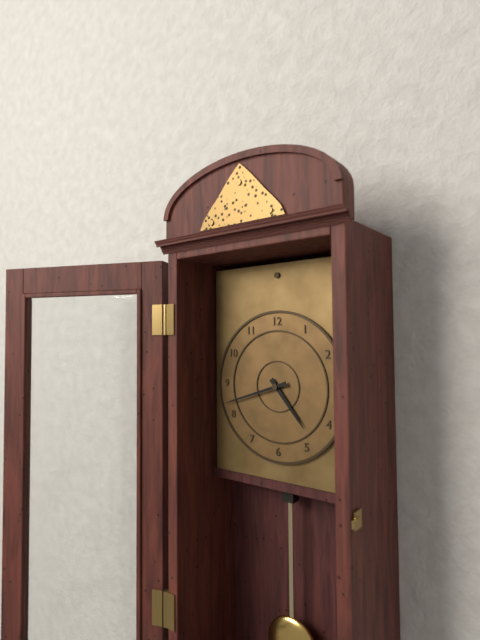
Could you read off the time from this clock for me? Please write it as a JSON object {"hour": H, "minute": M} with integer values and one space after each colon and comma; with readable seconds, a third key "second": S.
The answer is {"hour": 4, "minute": 42}
